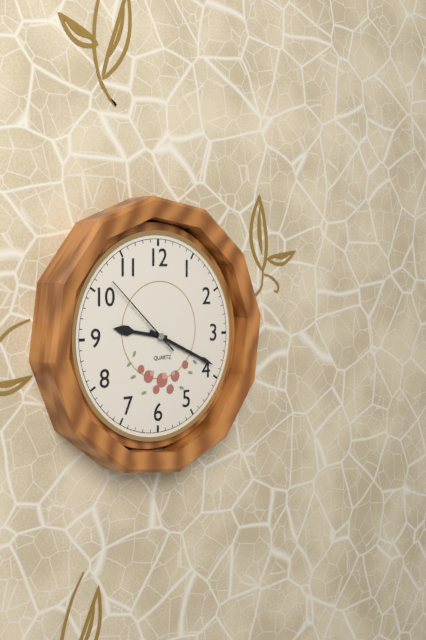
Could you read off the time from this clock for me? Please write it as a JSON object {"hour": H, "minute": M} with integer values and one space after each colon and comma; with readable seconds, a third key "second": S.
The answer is {"hour": 9, "minute": 19, "second": 52}
